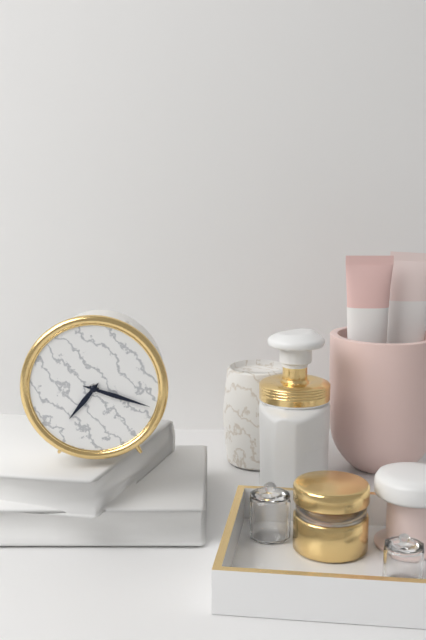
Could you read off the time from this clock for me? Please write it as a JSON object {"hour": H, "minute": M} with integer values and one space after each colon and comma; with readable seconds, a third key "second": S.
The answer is {"hour": 7, "minute": 18}
